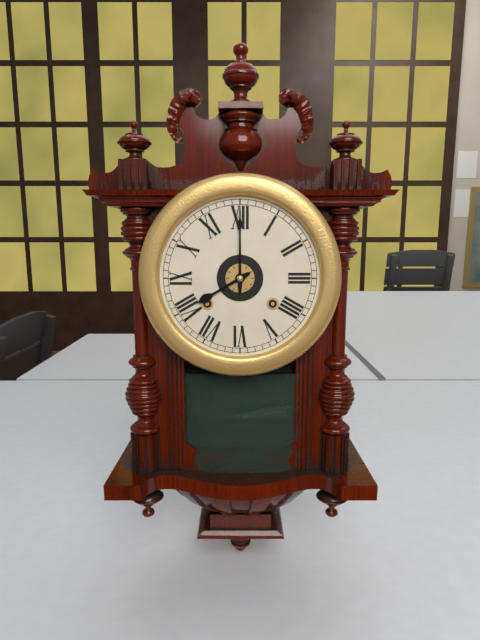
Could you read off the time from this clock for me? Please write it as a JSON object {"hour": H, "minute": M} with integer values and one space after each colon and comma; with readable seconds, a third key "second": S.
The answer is {"hour": 8, "minute": 0}
